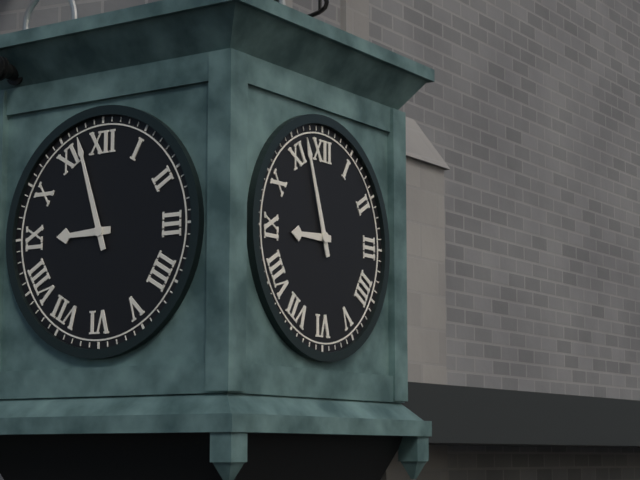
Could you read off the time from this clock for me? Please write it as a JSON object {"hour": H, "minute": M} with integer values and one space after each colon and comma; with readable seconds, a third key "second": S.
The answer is {"hour": 8, "minute": 57}
